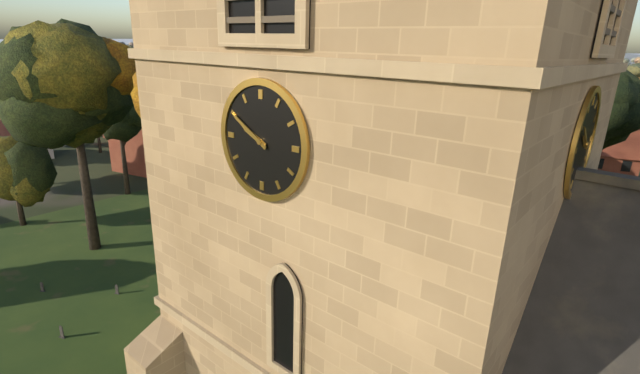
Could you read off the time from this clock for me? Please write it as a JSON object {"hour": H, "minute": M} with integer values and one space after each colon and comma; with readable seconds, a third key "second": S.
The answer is {"hour": 9, "minute": 50}
